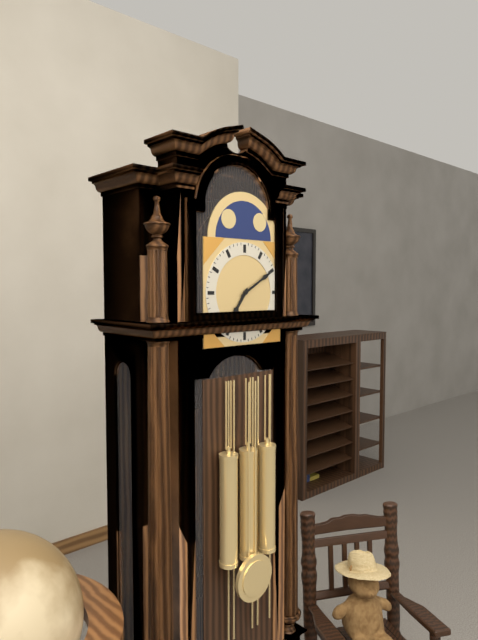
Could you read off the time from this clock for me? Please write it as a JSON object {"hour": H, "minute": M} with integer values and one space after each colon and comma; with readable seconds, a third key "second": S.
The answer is {"hour": 7, "minute": 10}
